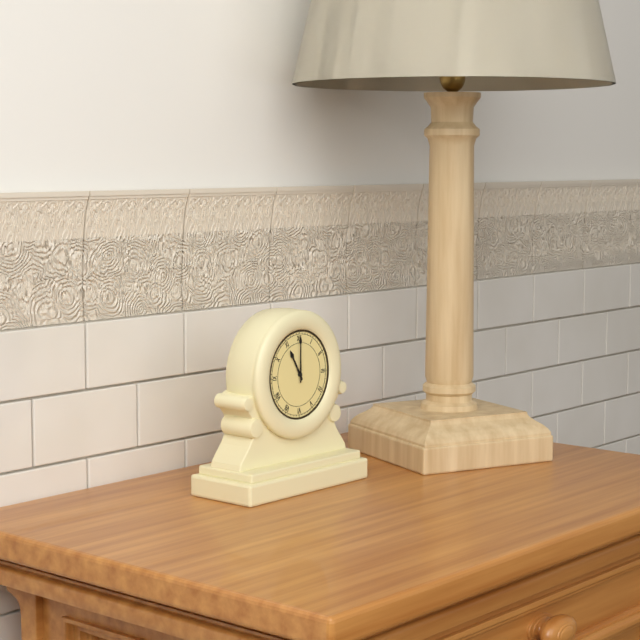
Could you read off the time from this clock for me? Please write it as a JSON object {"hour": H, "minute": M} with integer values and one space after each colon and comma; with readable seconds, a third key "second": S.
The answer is {"hour": 11, "minute": 0}
